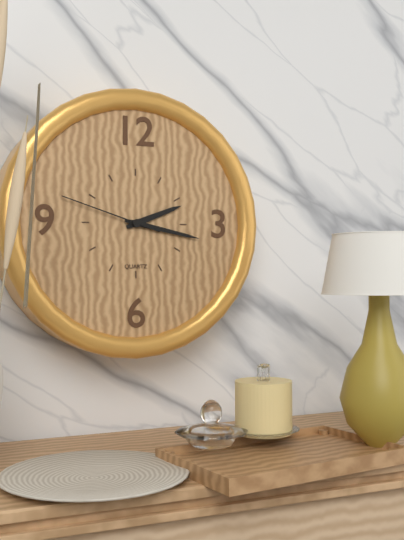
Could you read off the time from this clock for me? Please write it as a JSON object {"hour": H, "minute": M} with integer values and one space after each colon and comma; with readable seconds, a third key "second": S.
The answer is {"hour": 2, "minute": 17, "second": 48}
